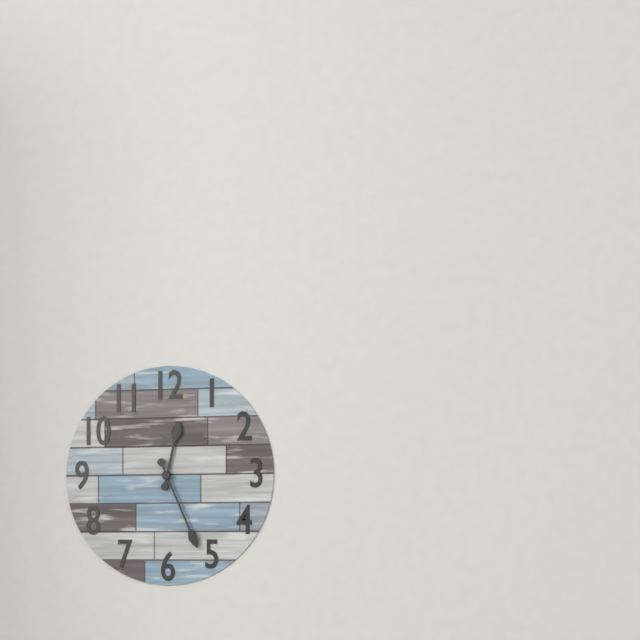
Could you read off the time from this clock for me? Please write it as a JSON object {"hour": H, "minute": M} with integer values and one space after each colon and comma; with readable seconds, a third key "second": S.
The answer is {"hour": 12, "minute": 26}
